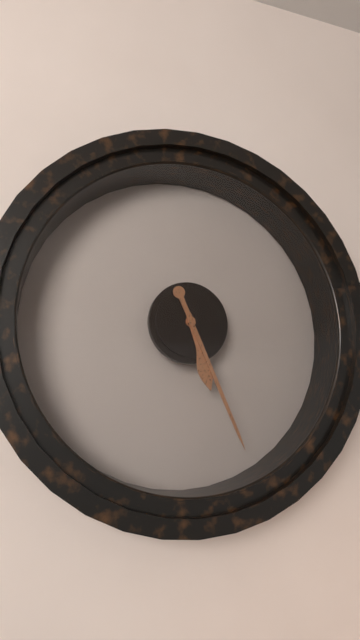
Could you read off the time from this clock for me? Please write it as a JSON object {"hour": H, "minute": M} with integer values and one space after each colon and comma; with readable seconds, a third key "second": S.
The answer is {"hour": 5, "minute": 26}
